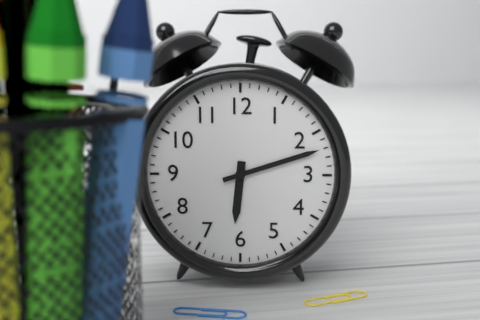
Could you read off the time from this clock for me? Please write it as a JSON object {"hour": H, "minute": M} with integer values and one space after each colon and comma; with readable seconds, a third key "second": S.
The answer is {"hour": 6, "minute": 12}
